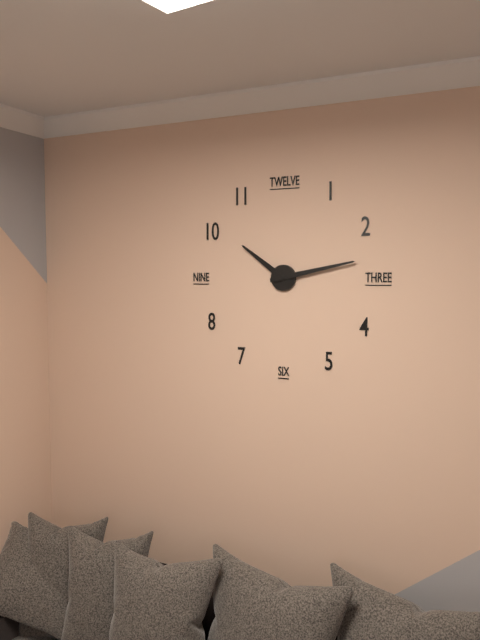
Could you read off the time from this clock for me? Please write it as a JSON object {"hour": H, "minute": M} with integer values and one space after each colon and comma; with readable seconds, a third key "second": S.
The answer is {"hour": 10, "minute": 13}
